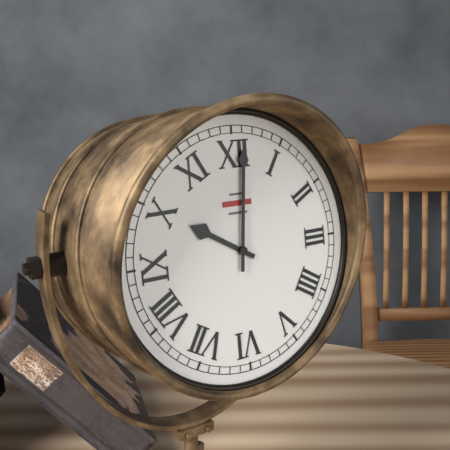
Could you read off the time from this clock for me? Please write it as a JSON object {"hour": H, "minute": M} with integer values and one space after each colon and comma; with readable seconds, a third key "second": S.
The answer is {"hour": 10, "minute": 1}
